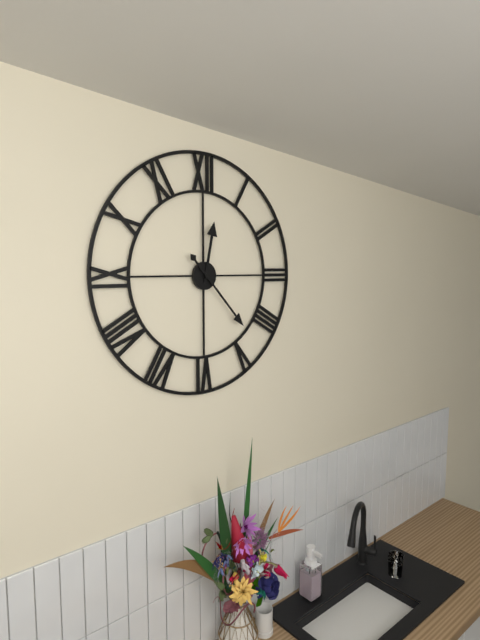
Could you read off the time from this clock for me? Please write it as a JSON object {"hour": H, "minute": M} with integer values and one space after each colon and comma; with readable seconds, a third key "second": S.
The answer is {"hour": 12, "minute": 23}
